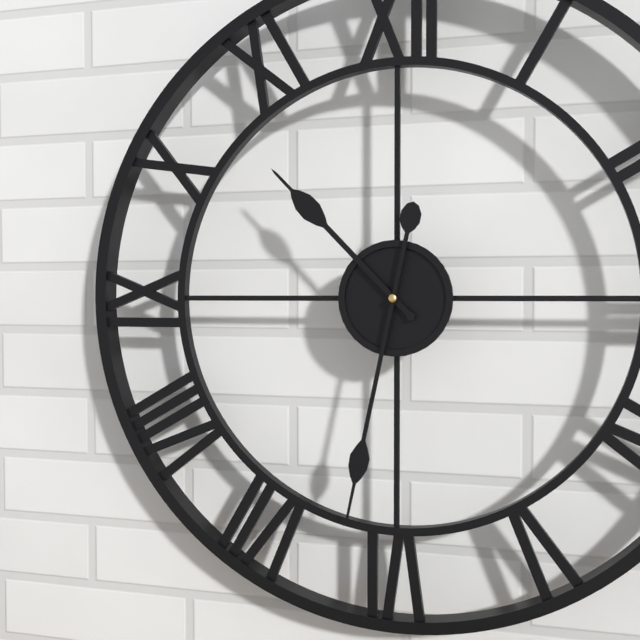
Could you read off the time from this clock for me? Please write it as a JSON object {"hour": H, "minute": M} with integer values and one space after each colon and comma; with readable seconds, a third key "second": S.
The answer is {"hour": 10, "minute": 32}
